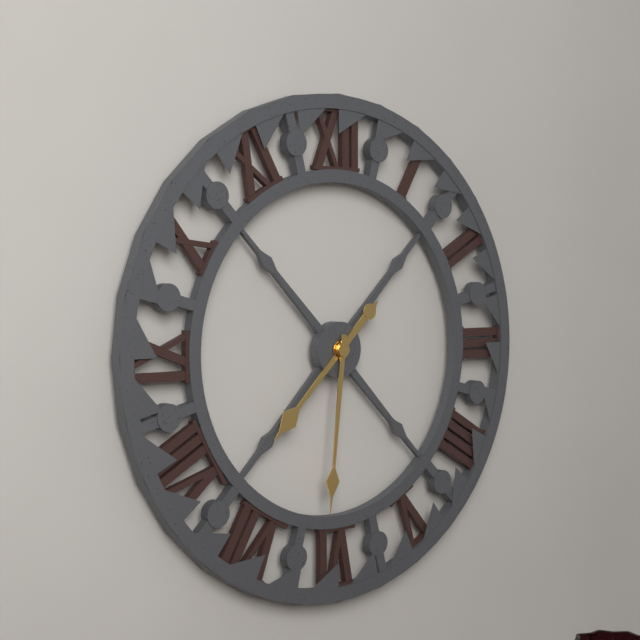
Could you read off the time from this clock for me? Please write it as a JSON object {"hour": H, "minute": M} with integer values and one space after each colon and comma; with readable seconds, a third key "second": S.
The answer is {"hour": 7, "minute": 31}
